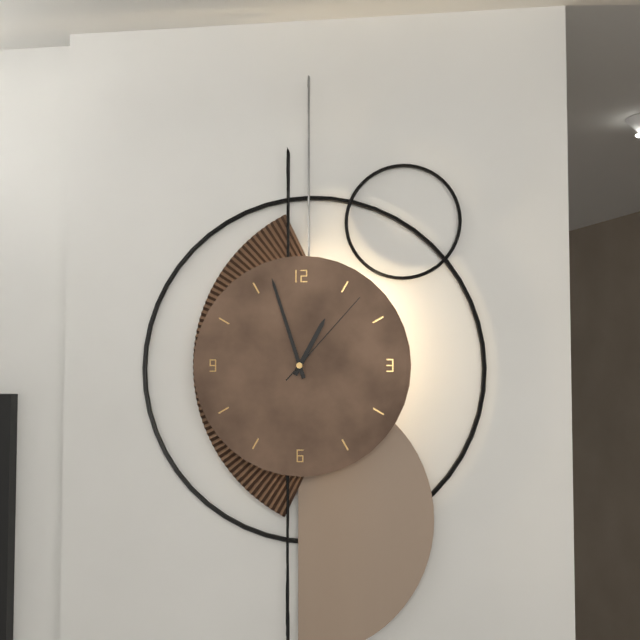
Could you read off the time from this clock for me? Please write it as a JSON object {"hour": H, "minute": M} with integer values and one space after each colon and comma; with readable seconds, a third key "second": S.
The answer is {"hour": 12, "minute": 57, "second": 7}
